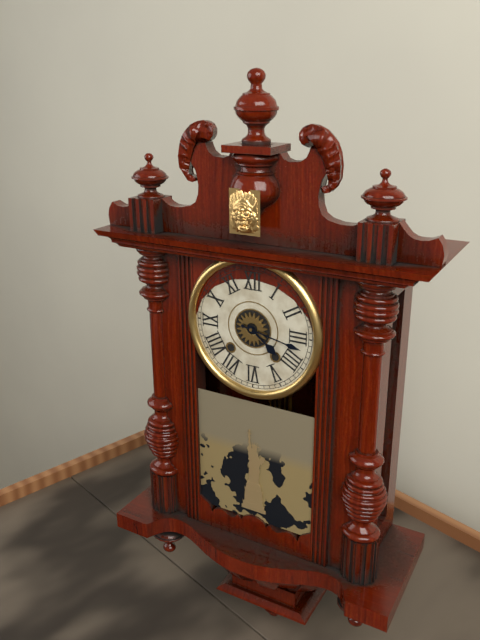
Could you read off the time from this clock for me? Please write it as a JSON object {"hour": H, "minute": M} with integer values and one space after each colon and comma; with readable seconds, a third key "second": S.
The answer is {"hour": 4, "minute": 17}
